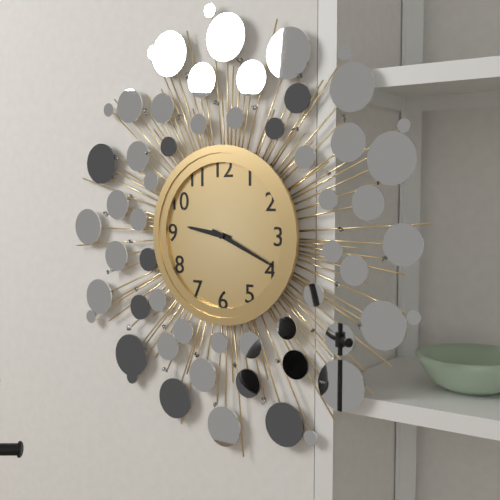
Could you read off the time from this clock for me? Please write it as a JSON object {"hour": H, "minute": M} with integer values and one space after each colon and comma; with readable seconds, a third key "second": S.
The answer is {"hour": 9, "minute": 19}
